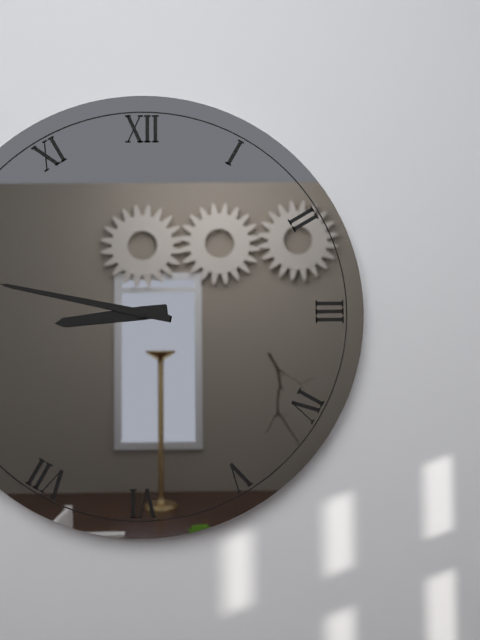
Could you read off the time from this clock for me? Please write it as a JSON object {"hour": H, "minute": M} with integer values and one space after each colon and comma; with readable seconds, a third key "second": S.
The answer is {"hour": 8, "minute": 47}
